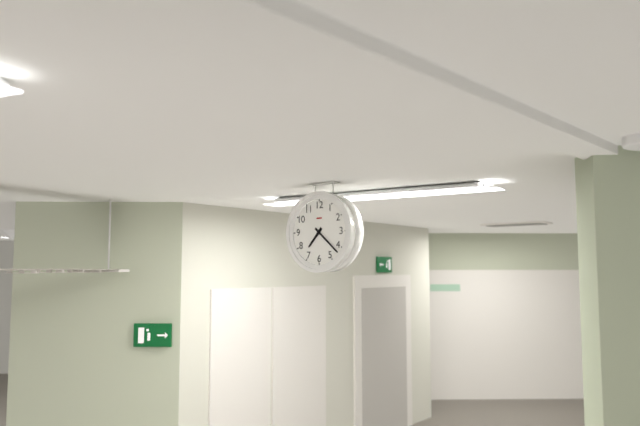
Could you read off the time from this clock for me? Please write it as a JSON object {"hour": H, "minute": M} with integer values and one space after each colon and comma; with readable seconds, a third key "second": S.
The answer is {"hour": 7, "minute": 22}
